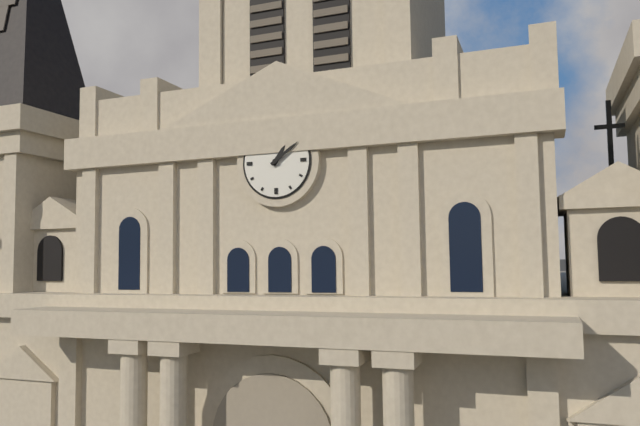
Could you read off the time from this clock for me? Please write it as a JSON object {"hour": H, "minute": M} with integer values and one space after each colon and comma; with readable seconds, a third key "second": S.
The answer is {"hour": 1, "minute": 9}
